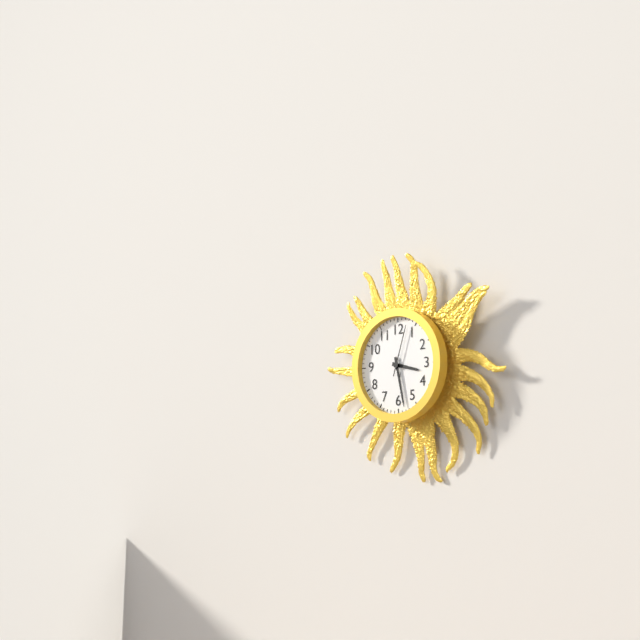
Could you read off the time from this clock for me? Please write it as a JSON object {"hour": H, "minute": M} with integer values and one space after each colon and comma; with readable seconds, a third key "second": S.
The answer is {"hour": 3, "minute": 28, "second": 3}
